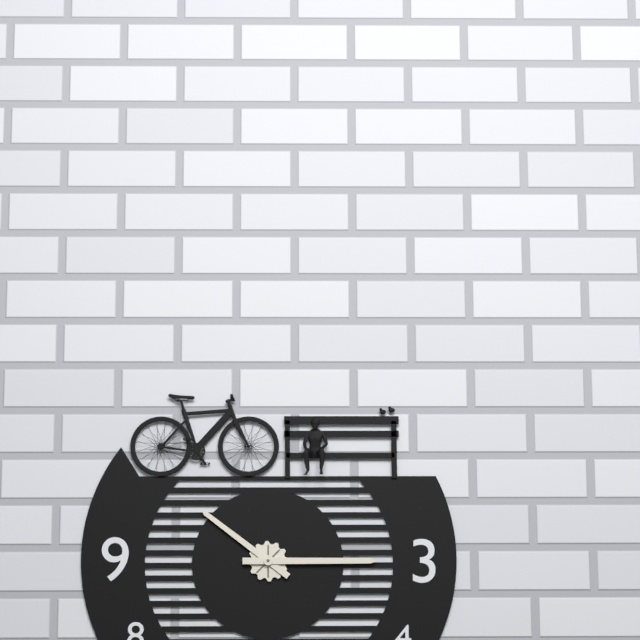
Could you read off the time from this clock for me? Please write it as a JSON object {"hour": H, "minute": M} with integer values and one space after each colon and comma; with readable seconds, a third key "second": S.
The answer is {"hour": 10, "minute": 15}
